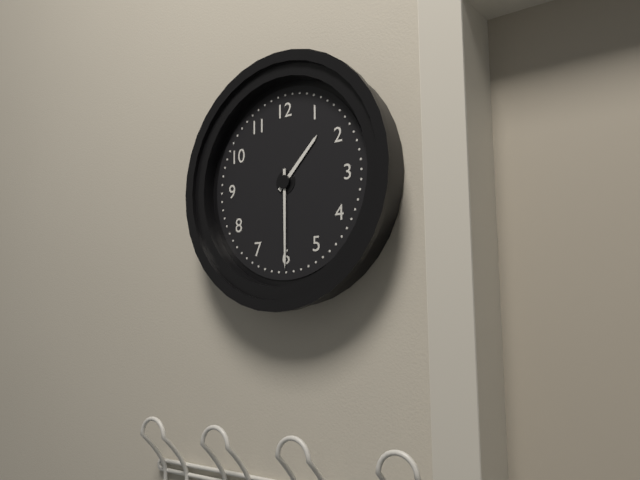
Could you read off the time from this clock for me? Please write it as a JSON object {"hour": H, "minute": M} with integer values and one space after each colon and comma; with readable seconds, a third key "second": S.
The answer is {"hour": 1, "minute": 30}
